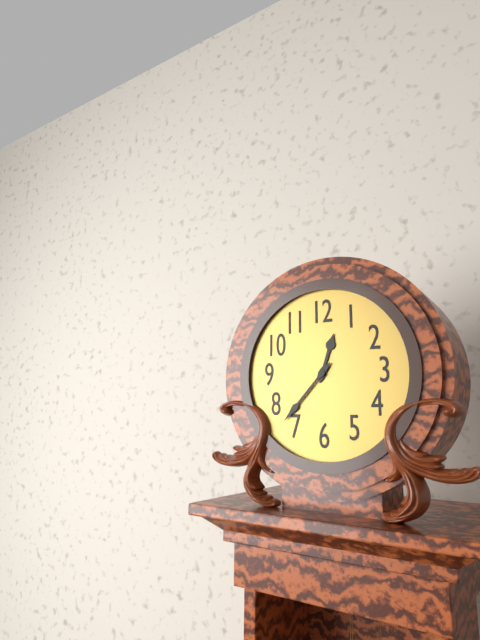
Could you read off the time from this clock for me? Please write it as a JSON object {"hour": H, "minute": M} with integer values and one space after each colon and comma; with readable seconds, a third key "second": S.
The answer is {"hour": 12, "minute": 37}
